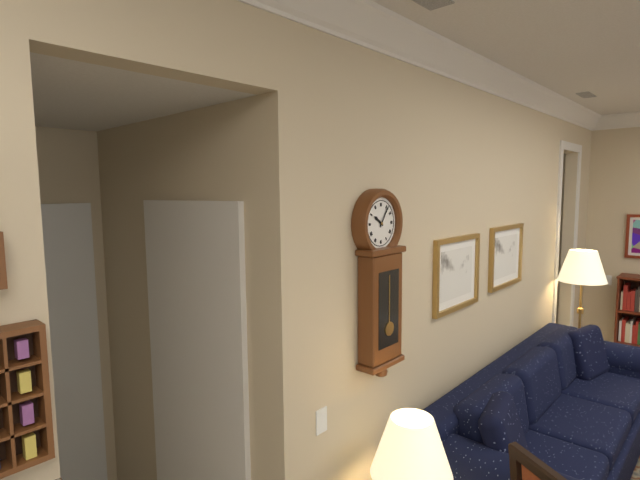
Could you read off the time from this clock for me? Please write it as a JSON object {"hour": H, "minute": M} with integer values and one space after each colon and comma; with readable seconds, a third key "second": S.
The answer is {"hour": 10, "minute": 6}
